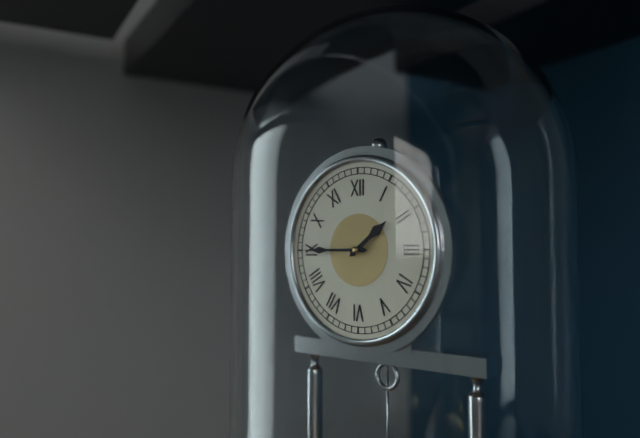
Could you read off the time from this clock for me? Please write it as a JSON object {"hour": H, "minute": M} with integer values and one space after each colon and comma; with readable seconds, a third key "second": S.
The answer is {"hour": 1, "minute": 45}
